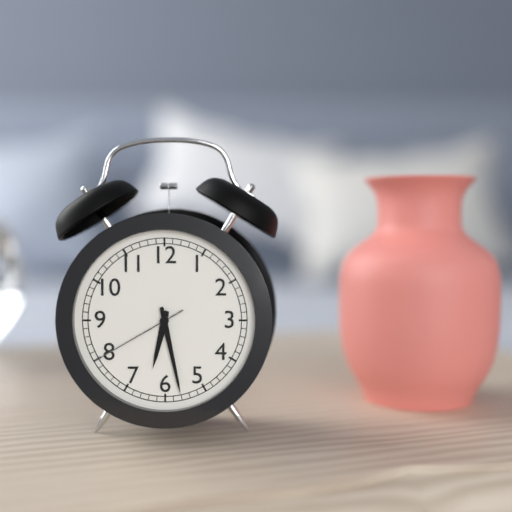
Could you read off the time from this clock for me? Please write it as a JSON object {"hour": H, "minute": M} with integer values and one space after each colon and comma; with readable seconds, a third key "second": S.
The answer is {"hour": 6, "minute": 28, "second": 40}
